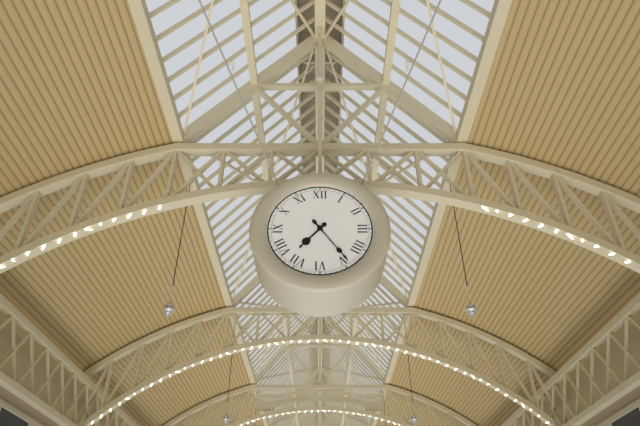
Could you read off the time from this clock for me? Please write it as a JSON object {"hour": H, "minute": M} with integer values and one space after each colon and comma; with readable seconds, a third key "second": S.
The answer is {"hour": 7, "minute": 24}
